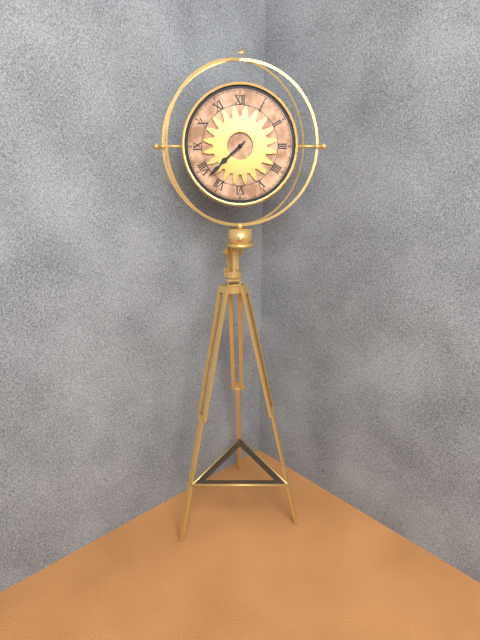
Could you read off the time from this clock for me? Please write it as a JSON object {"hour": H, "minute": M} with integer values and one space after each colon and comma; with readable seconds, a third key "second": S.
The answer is {"hour": 7, "minute": 38}
